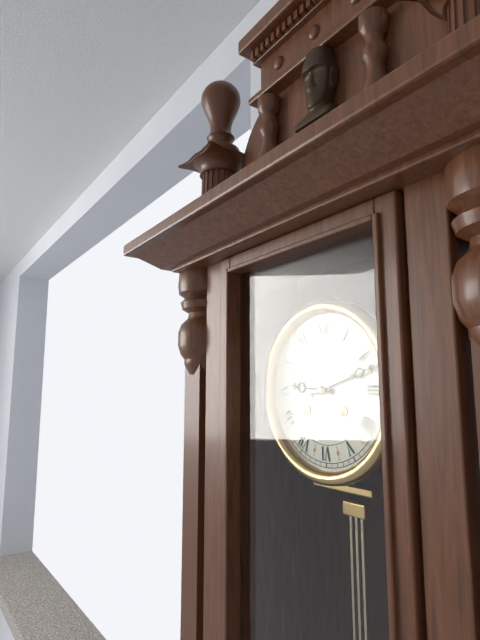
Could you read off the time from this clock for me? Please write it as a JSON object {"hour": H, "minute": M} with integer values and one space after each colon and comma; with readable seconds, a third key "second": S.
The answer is {"hour": 9, "minute": 12}
